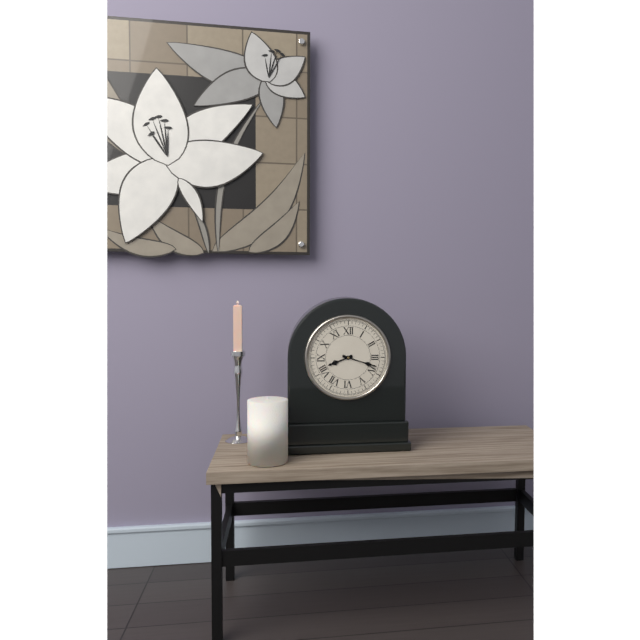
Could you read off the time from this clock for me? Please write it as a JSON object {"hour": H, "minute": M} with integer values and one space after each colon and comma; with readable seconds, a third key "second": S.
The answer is {"hour": 8, "minute": 18}
